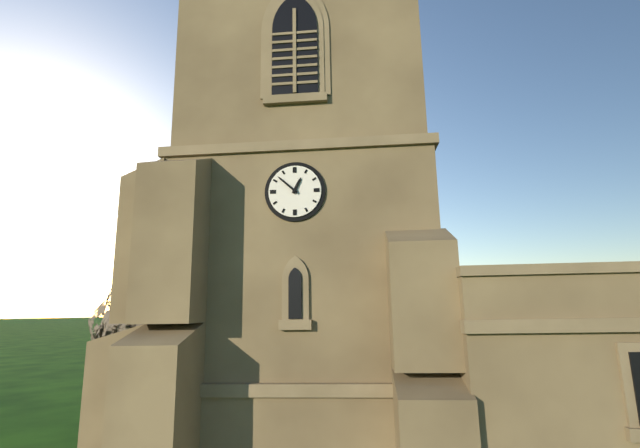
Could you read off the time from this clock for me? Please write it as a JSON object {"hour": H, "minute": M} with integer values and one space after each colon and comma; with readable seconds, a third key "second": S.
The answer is {"hour": 12, "minute": 52}
